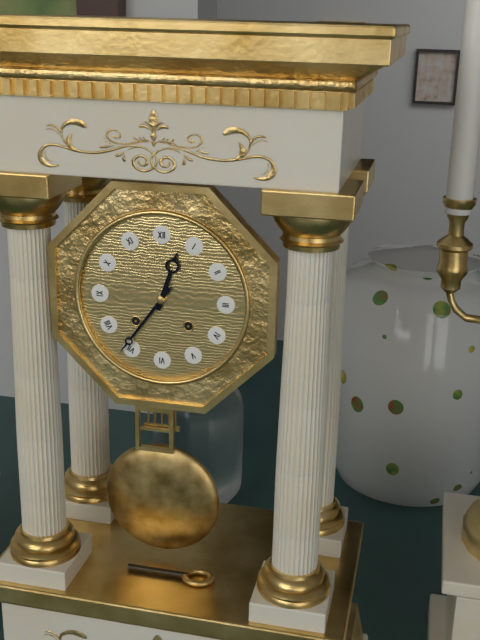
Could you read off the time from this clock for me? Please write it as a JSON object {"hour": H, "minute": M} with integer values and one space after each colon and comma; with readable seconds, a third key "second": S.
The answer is {"hour": 12, "minute": 36}
